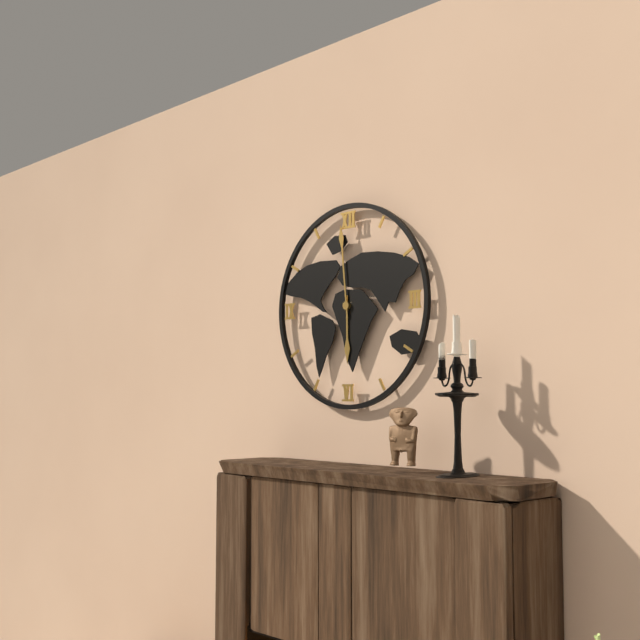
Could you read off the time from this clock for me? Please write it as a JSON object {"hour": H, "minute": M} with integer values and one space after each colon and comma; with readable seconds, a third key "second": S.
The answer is {"hour": 5, "minute": 59}
